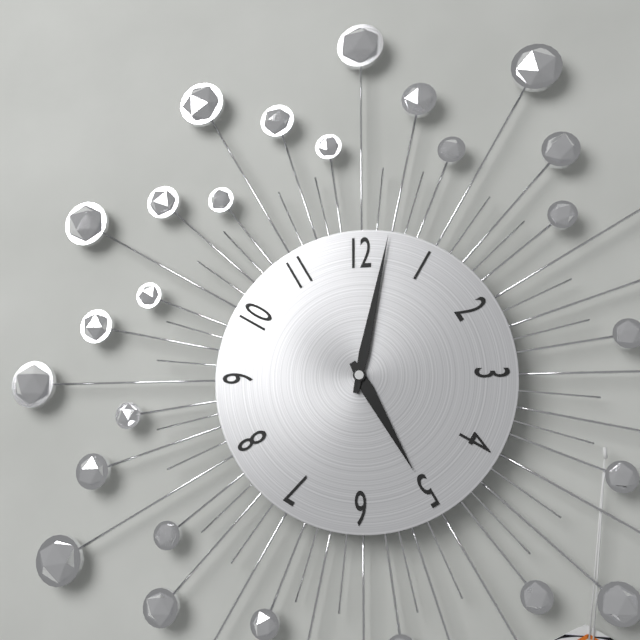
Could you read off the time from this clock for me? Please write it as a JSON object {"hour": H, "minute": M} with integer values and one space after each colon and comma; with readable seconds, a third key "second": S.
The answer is {"hour": 5, "minute": 2}
